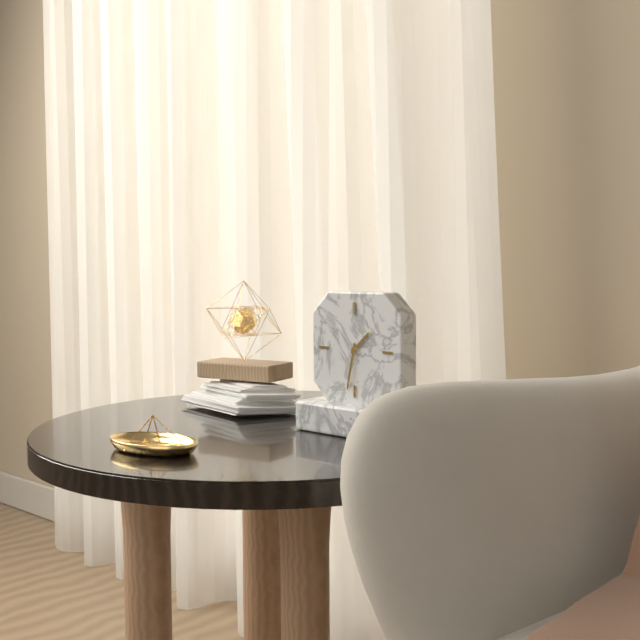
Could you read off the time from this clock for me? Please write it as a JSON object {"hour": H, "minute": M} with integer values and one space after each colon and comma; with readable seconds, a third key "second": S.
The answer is {"hour": 1, "minute": 32}
